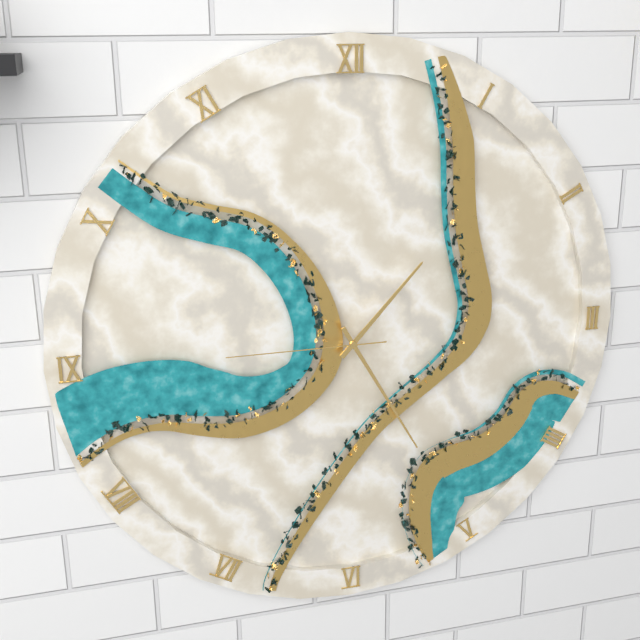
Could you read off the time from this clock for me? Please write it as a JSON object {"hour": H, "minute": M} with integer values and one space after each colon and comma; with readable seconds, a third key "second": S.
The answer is {"hour": 1, "minute": 25, "second": 45}
